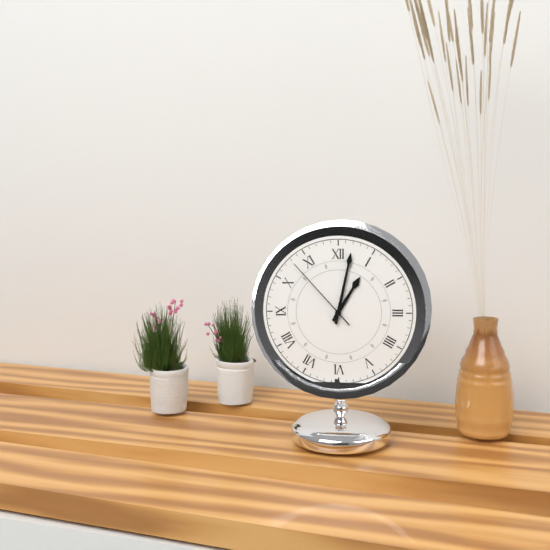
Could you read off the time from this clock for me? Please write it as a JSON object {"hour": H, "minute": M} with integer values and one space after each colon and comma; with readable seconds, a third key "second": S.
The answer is {"hour": 1, "minute": 2, "second": 53}
